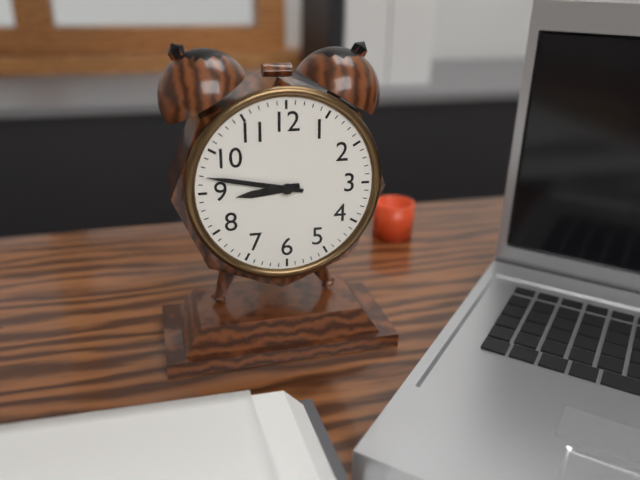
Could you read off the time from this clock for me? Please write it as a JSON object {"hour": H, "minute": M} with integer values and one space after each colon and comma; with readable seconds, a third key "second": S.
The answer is {"hour": 8, "minute": 47}
